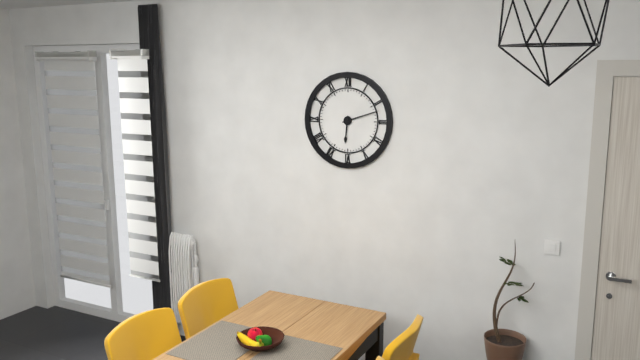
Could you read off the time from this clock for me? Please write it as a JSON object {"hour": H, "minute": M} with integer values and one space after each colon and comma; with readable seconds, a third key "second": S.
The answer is {"hour": 6, "minute": 12}
